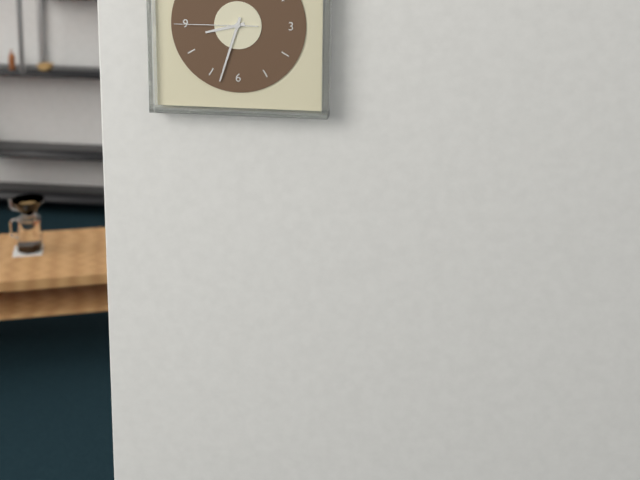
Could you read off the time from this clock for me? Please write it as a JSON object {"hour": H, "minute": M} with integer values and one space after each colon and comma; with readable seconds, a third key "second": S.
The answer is {"hour": 8, "minute": 33, "second": 45}
